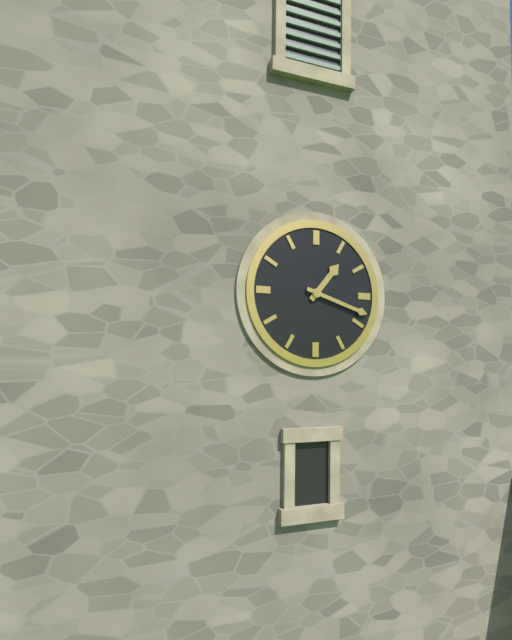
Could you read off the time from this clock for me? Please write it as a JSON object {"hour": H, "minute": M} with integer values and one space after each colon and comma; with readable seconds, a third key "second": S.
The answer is {"hour": 1, "minute": 18}
